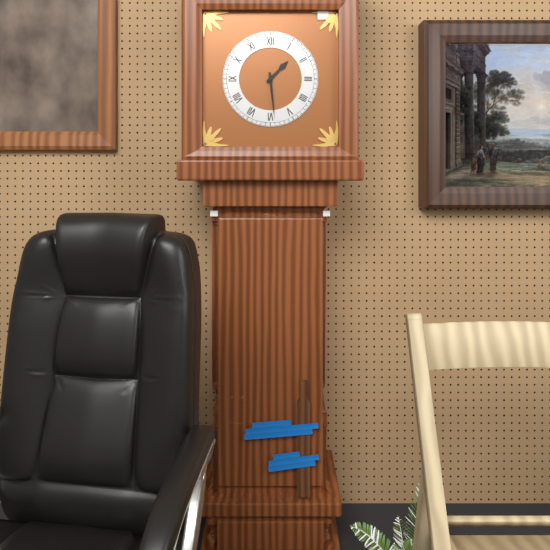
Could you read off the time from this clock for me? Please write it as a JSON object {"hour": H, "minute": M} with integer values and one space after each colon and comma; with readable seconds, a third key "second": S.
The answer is {"hour": 1, "minute": 29}
